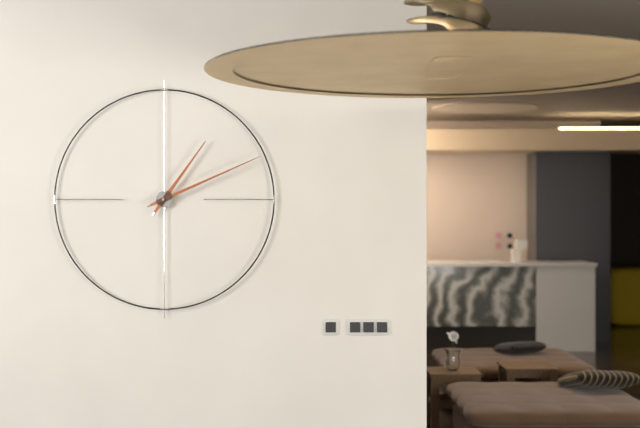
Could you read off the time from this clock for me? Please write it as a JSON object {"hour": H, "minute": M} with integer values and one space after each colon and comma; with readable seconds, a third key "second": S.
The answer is {"hour": 1, "minute": 11}
